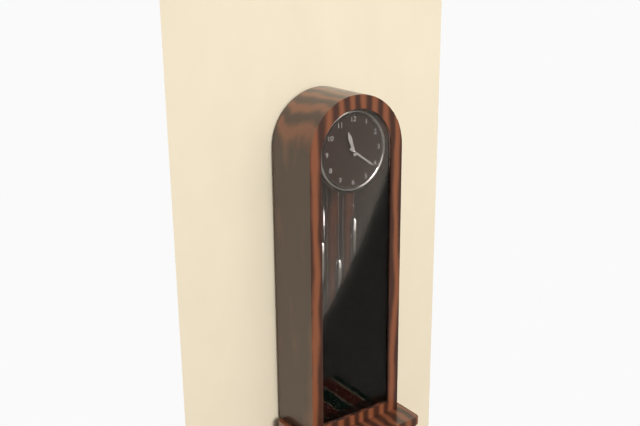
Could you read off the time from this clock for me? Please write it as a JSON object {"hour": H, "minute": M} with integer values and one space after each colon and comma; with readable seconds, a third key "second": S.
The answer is {"hour": 11, "minute": 21}
